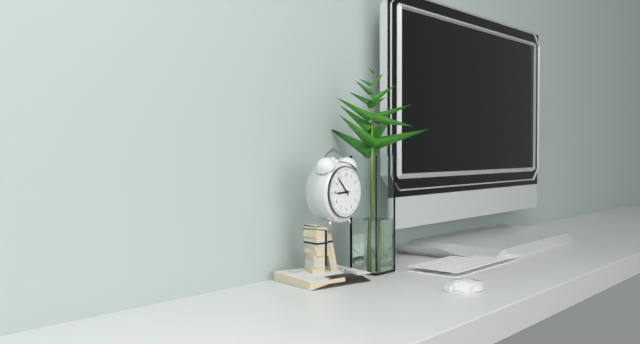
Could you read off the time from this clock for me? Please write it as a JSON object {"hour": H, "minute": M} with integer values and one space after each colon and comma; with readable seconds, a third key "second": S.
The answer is {"hour": 8, "minute": 53}
